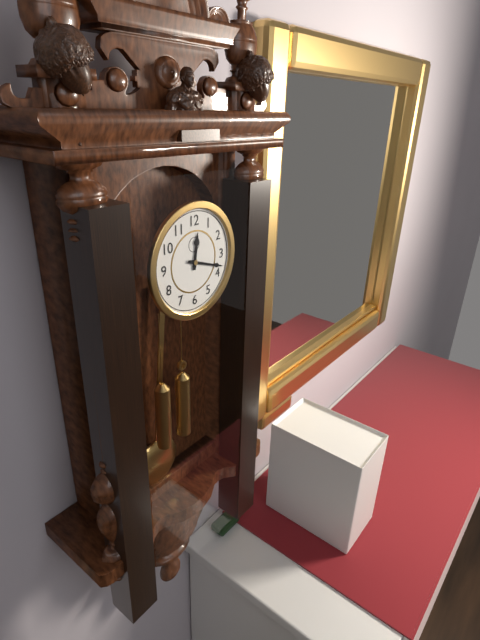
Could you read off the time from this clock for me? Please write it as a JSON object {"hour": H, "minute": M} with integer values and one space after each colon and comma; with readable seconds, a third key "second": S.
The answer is {"hour": 12, "minute": 18}
